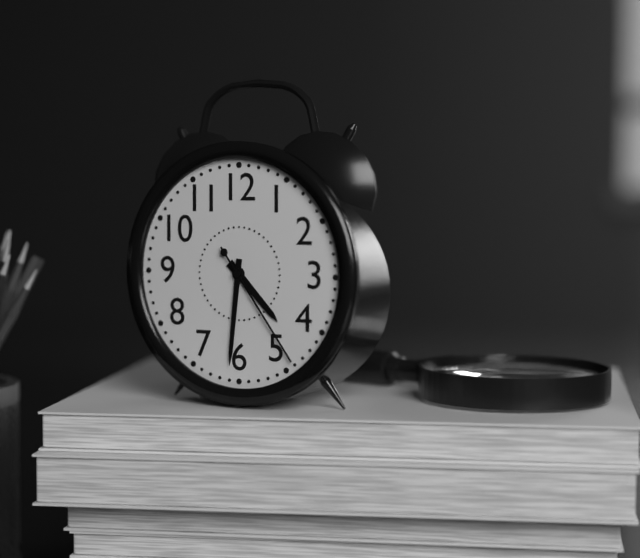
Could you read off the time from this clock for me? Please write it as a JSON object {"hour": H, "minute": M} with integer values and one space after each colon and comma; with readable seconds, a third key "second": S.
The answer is {"hour": 4, "minute": 31, "second": 24}
